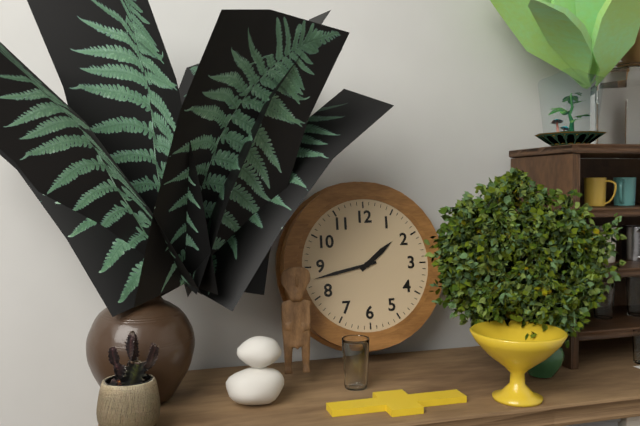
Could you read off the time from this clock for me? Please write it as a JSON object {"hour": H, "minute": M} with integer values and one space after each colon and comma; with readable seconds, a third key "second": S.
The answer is {"hour": 1, "minute": 43}
